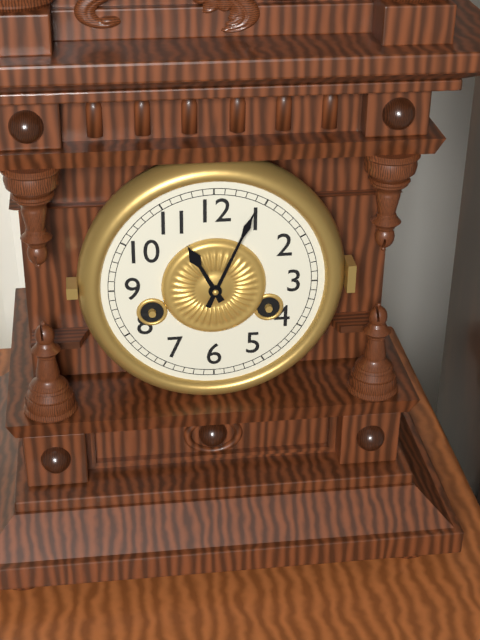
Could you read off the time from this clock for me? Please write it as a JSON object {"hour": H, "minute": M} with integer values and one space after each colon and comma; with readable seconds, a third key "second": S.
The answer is {"hour": 11, "minute": 4}
